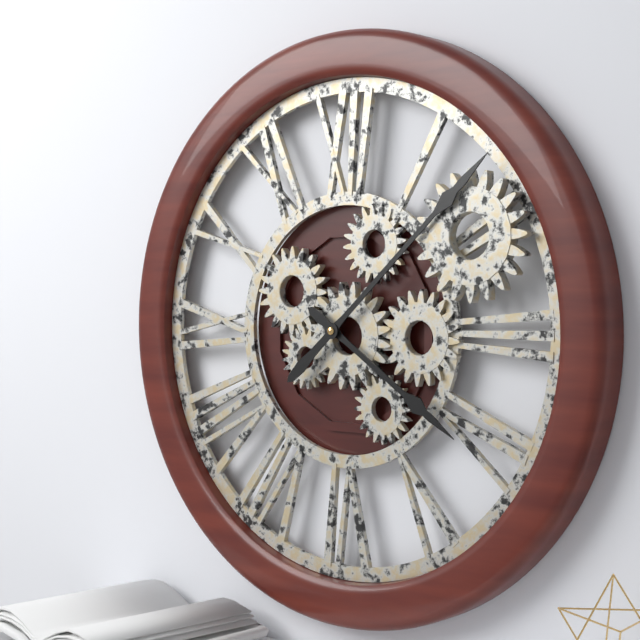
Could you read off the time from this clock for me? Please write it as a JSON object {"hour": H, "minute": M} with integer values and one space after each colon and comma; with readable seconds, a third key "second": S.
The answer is {"hour": 4, "minute": 8}
